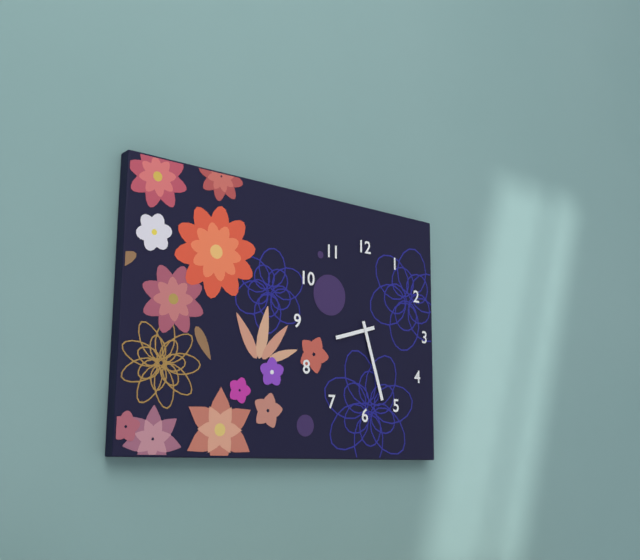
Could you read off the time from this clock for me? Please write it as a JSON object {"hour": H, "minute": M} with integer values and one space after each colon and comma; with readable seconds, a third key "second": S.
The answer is {"hour": 8, "minute": 27}
